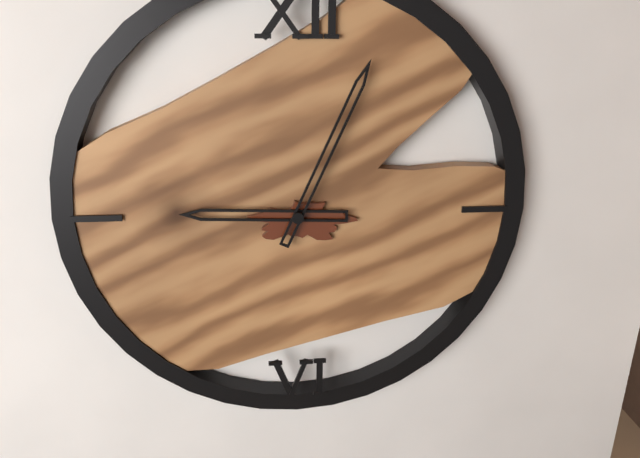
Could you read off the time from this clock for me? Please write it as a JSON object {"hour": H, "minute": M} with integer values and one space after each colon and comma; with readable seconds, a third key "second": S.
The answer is {"hour": 9, "minute": 4}
